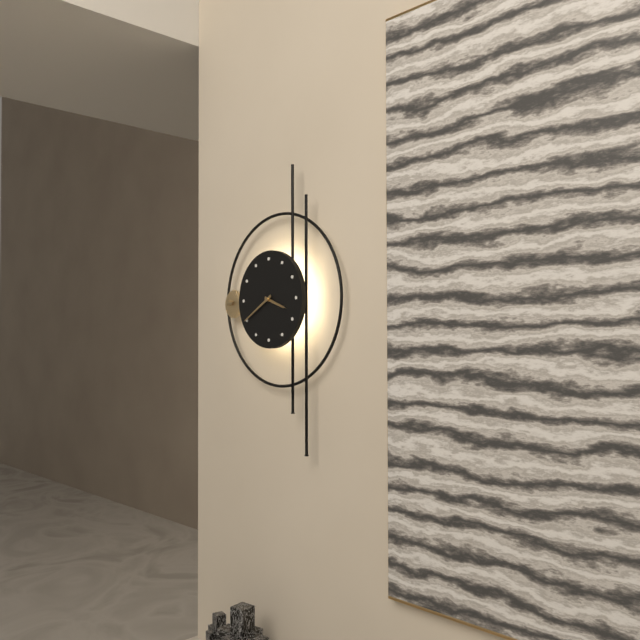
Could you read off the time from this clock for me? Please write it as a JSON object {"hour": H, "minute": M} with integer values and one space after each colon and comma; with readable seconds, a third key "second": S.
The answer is {"hour": 3, "minute": 40}
